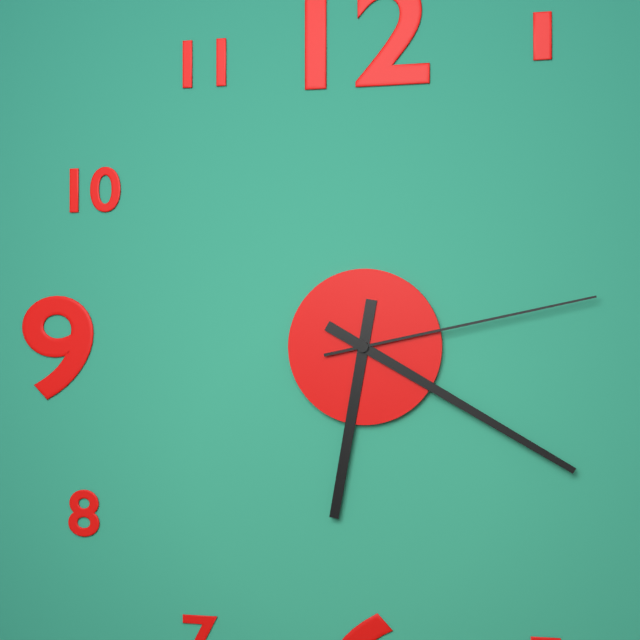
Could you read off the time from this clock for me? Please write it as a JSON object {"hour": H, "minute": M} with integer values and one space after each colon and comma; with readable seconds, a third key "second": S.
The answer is {"hour": 6, "minute": 20, "second": 13}
